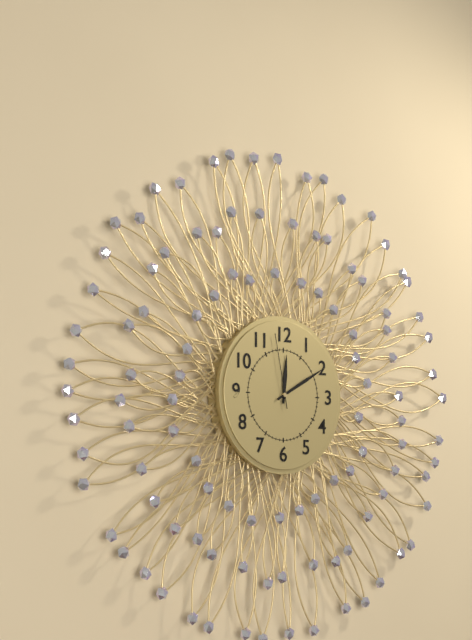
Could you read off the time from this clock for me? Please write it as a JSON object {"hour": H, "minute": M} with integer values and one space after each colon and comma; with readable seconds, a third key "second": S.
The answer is {"hour": 12, "minute": 10, "second": 58}
